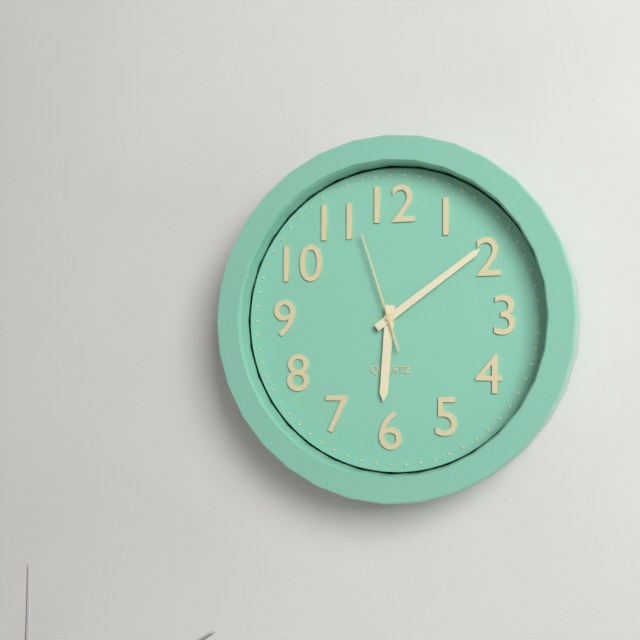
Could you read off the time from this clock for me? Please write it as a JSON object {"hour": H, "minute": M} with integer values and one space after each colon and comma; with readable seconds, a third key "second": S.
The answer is {"hour": 6, "minute": 9, "second": 57}
